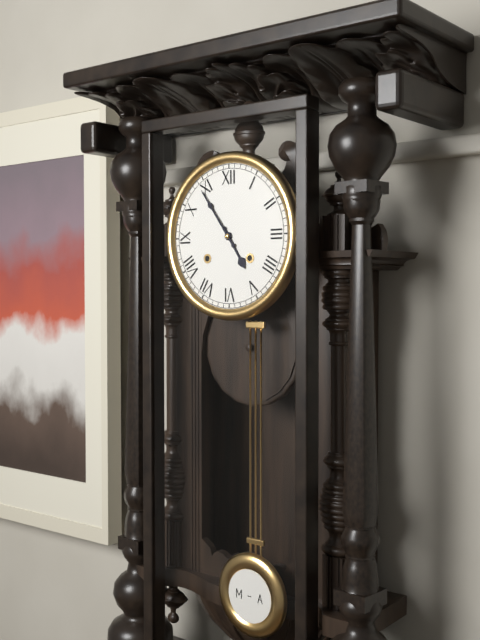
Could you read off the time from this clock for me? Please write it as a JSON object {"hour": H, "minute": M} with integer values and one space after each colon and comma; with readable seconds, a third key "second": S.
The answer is {"hour": 4, "minute": 54}
